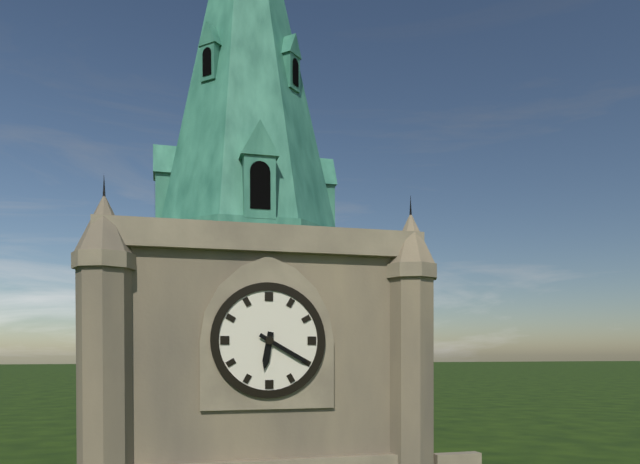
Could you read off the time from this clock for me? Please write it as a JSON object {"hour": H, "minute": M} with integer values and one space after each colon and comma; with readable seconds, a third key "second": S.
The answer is {"hour": 6, "minute": 20}
